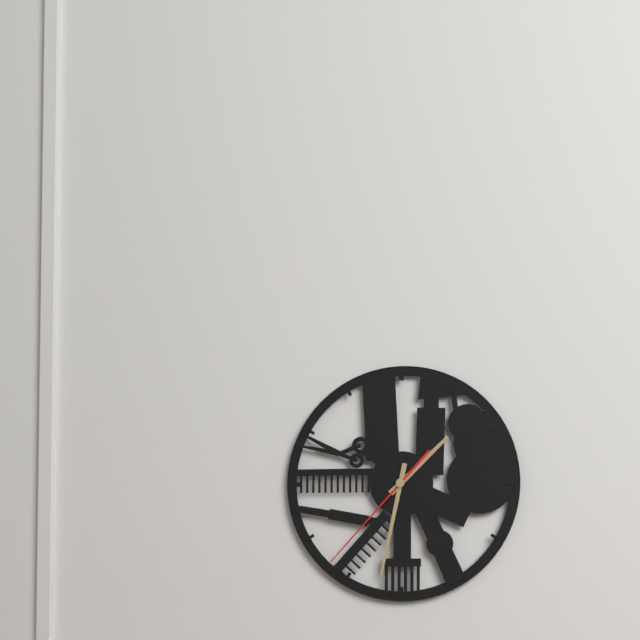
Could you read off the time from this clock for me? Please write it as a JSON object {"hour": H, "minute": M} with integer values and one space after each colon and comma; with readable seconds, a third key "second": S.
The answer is {"hour": 1, "minute": 32, "second": 37}
